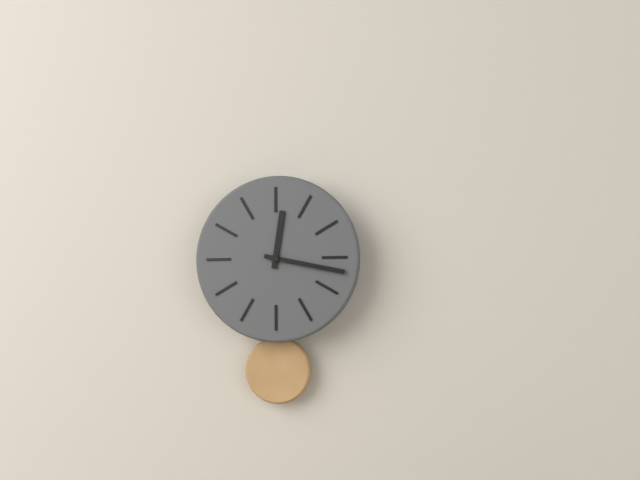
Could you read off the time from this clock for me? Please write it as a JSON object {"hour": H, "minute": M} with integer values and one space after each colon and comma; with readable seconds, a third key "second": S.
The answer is {"hour": 12, "minute": 17}
